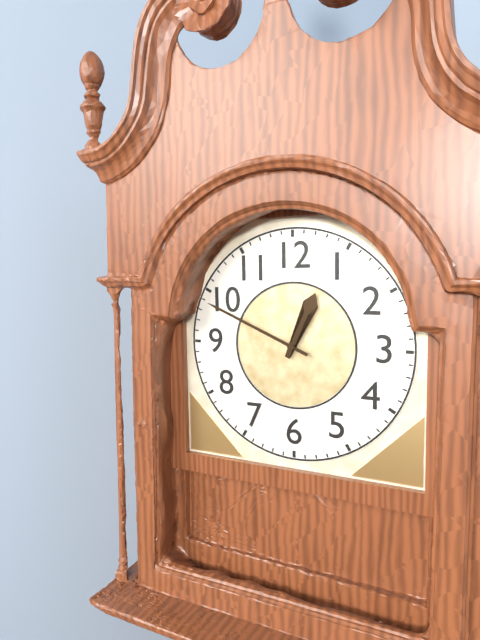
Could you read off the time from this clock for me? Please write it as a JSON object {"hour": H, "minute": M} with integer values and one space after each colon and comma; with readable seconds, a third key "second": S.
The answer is {"hour": 12, "minute": 49}
